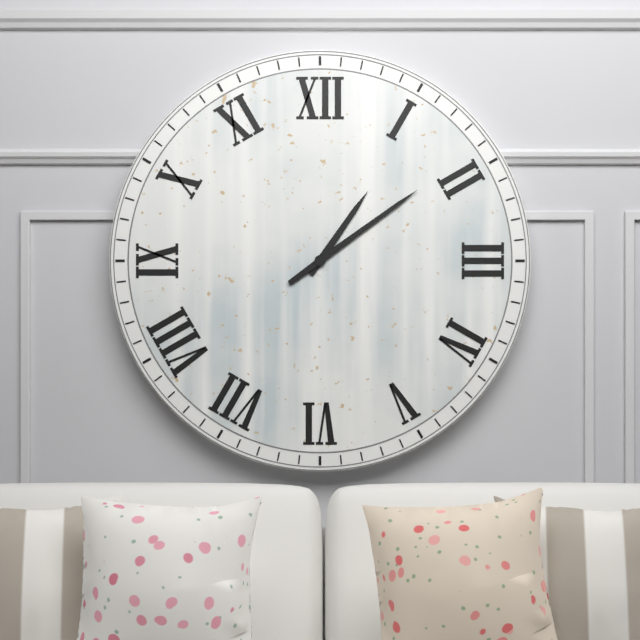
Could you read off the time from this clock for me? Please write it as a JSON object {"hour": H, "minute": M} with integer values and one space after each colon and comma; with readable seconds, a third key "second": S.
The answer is {"hour": 1, "minute": 9}
